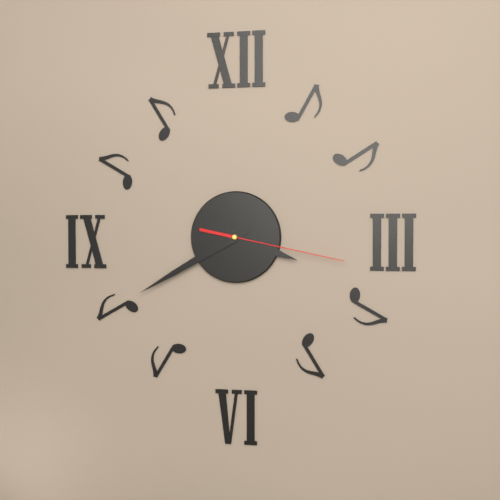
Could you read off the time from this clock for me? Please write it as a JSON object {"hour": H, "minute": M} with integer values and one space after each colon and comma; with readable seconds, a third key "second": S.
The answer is {"hour": 3, "minute": 40, "second": 17}
